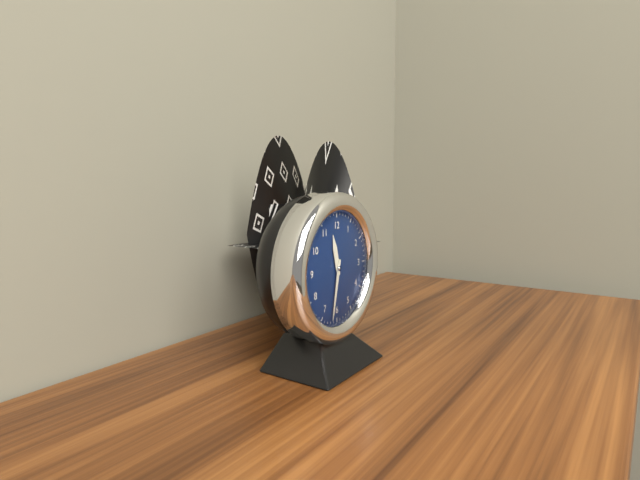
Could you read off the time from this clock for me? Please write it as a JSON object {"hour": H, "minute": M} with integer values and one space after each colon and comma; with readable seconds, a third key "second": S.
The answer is {"hour": 11, "minute": 32}
